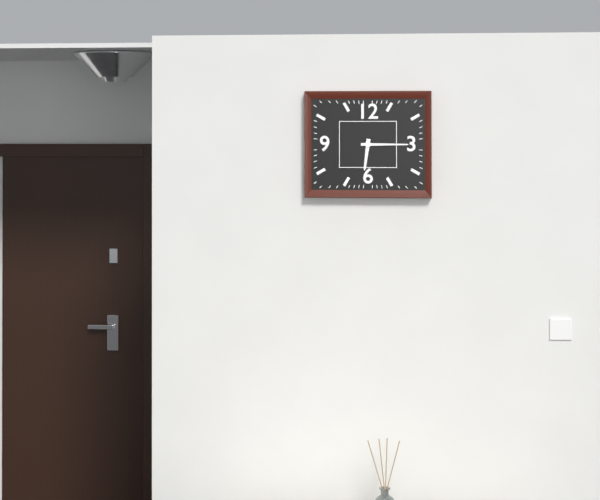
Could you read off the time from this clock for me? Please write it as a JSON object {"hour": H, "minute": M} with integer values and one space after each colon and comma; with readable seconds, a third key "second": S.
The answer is {"hour": 6, "minute": 15}
